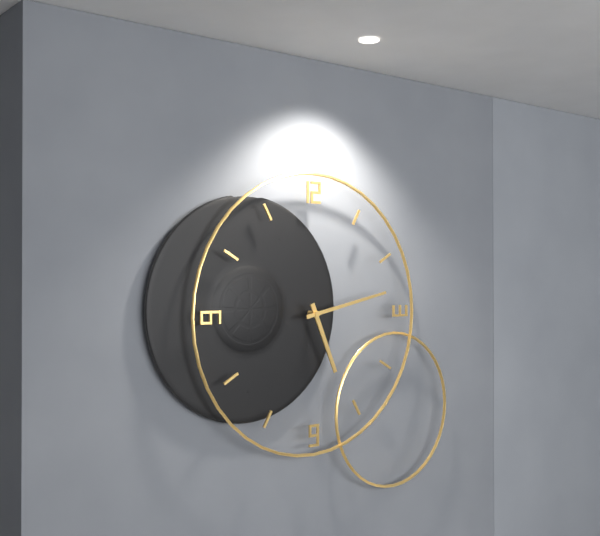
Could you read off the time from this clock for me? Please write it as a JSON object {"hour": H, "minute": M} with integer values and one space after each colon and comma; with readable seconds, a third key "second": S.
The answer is {"hour": 5, "minute": 13}
